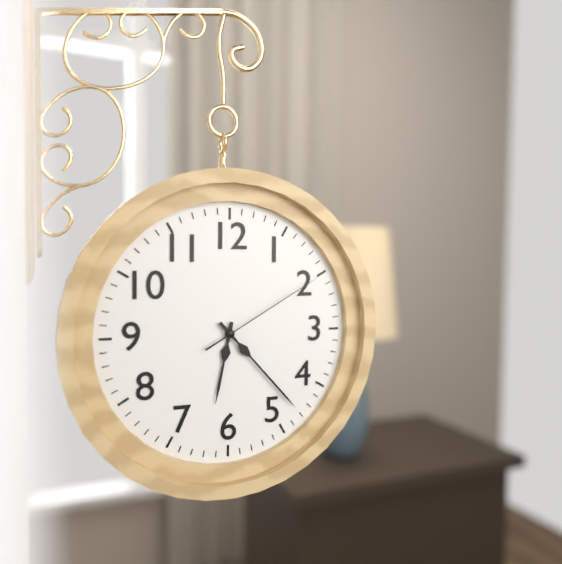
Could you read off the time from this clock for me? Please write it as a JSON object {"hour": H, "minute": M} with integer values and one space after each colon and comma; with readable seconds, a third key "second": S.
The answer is {"hour": 6, "minute": 23, "second": 10}
